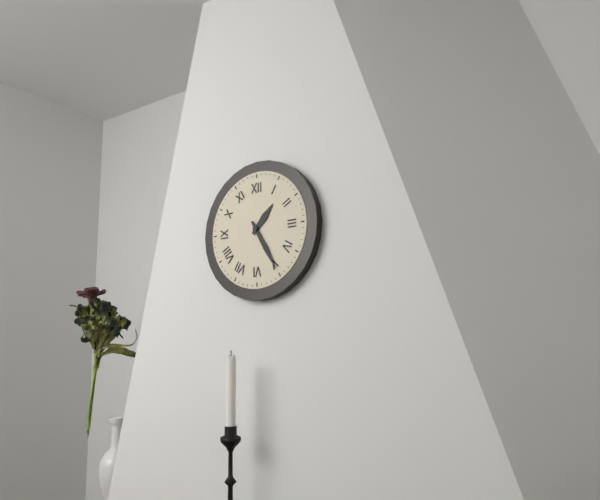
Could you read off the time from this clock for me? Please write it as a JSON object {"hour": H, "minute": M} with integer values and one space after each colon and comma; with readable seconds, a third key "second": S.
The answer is {"hour": 1, "minute": 25}
